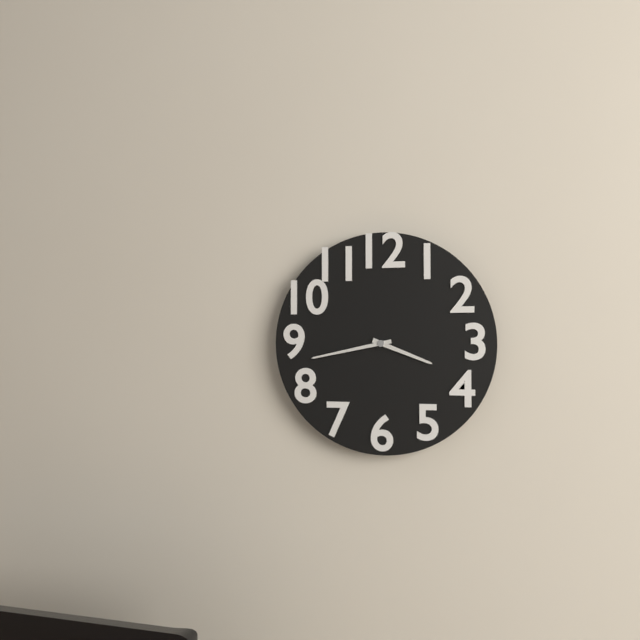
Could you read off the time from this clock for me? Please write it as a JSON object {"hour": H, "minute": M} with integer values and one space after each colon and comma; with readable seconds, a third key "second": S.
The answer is {"hour": 3, "minute": 43}
